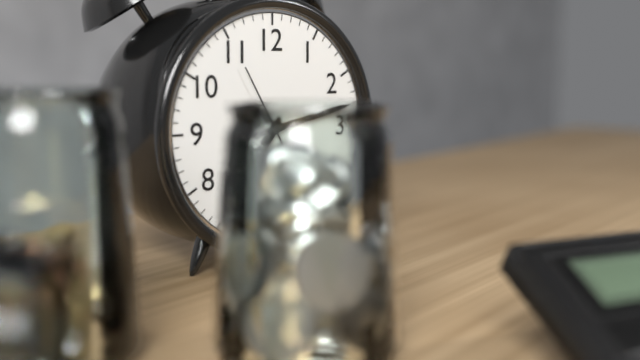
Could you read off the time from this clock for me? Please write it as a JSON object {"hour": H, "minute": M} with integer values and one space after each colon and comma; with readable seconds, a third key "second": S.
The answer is {"hour": 7, "minute": 13, "second": 55}
